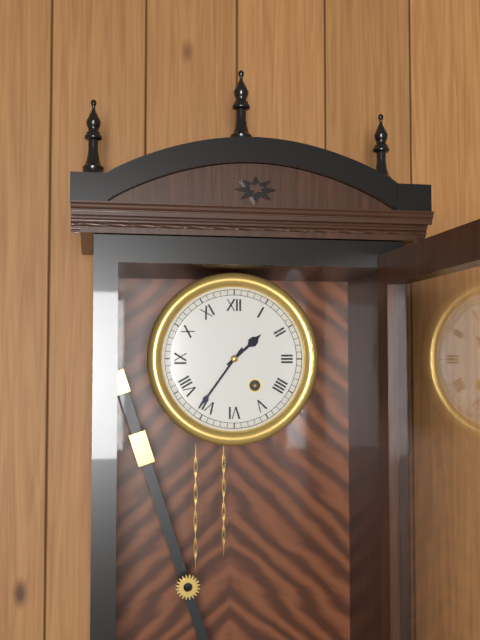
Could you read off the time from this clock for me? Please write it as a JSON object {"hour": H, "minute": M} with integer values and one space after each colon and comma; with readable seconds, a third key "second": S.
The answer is {"hour": 1, "minute": 36}
